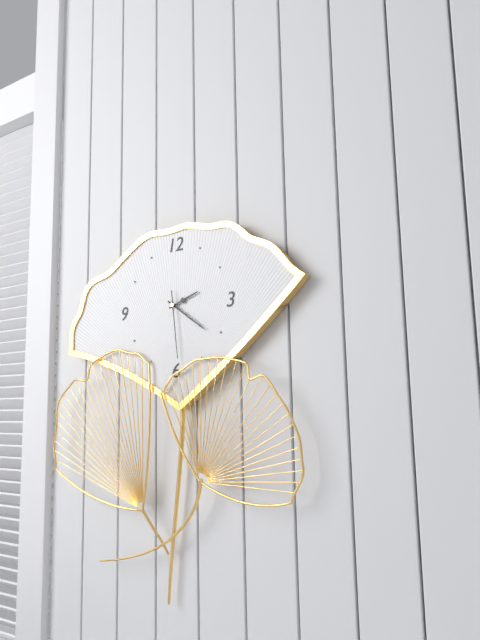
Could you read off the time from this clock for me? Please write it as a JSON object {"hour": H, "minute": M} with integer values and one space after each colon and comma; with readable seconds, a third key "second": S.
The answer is {"hour": 2, "minute": 21, "second": 29}
